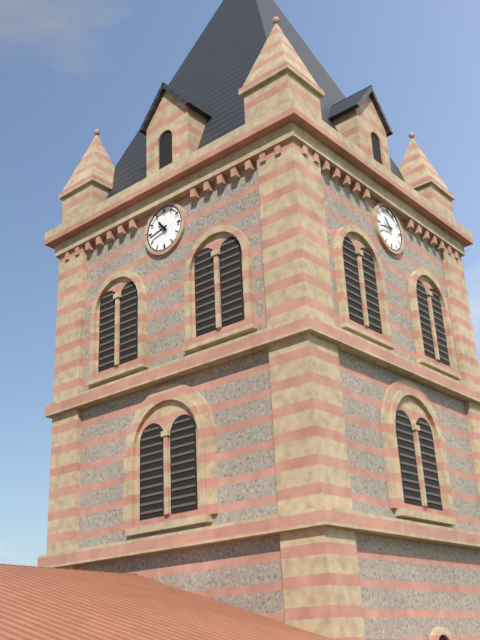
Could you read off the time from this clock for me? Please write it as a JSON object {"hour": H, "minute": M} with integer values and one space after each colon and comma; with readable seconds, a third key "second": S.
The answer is {"hour": 10, "minute": 43}
